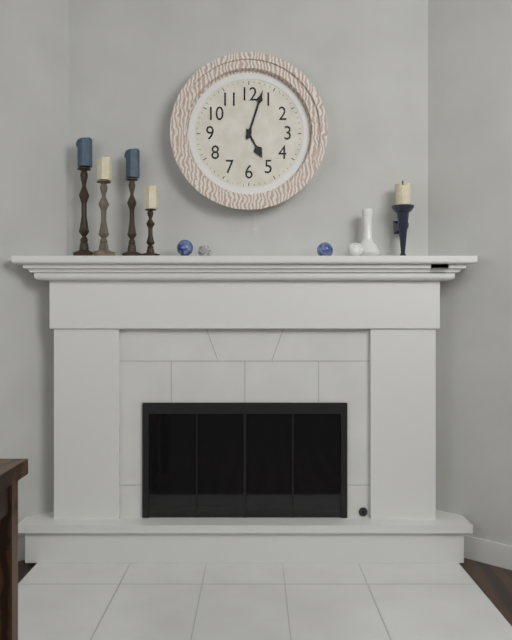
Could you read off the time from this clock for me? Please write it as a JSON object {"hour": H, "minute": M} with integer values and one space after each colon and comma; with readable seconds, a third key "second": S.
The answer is {"hour": 5, "minute": 3}
